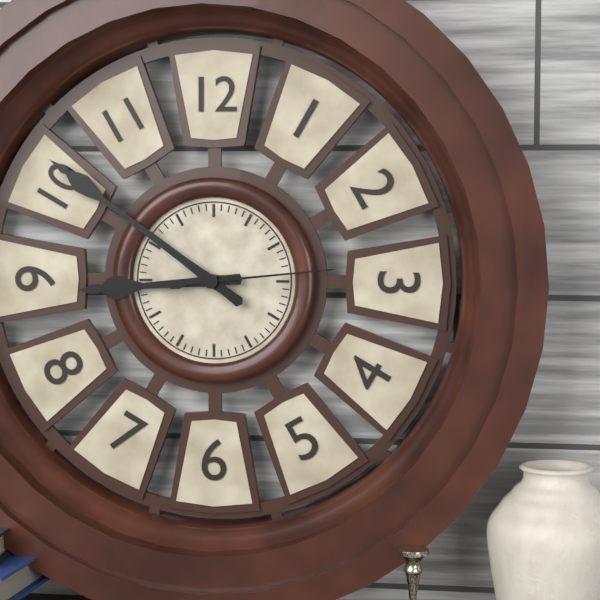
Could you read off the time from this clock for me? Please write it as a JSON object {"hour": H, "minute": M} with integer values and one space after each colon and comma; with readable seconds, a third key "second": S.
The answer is {"hour": 8, "minute": 51, "second": 14}
